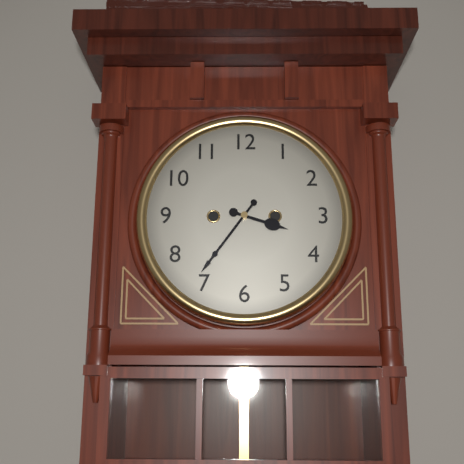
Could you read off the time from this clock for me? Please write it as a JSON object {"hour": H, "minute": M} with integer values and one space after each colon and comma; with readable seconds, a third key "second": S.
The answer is {"hour": 3, "minute": 36}
